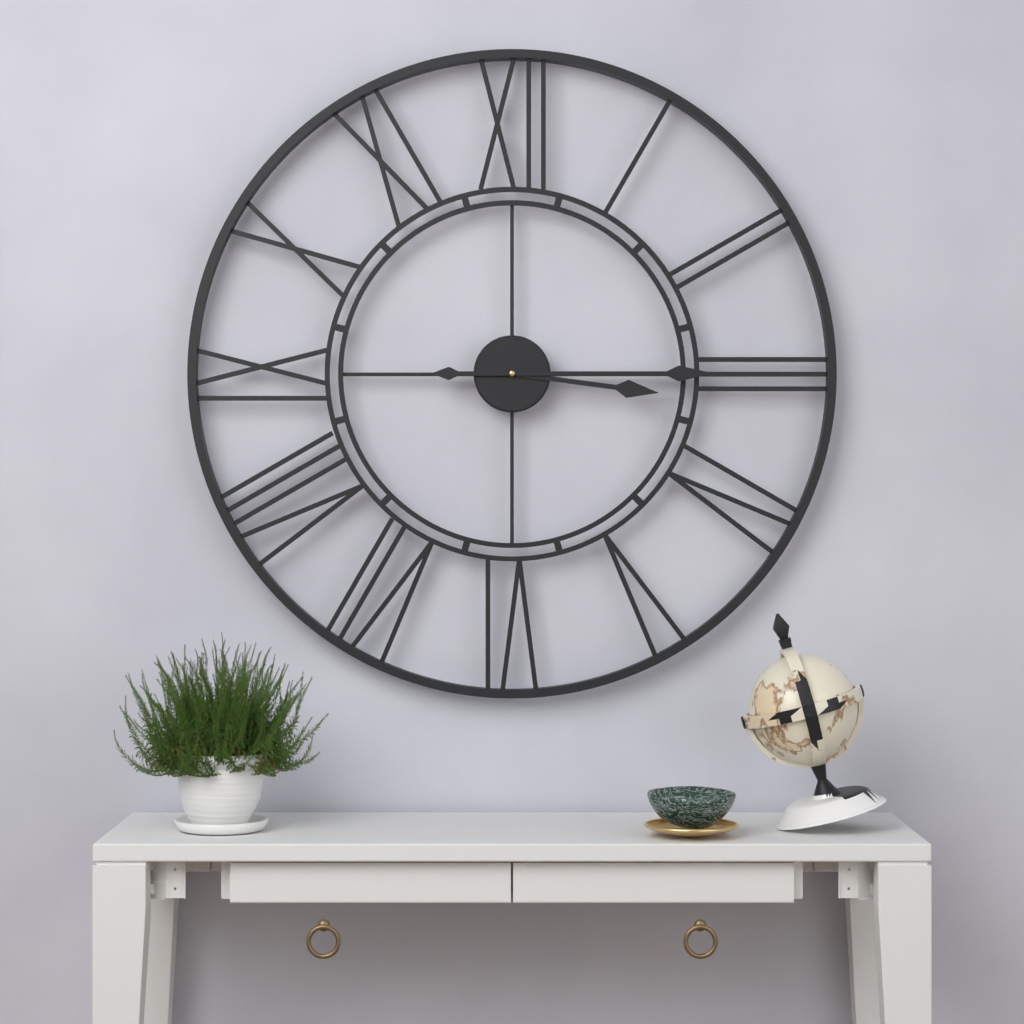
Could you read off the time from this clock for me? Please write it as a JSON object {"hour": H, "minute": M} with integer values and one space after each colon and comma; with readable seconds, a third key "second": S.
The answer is {"hour": 3, "minute": 15}
